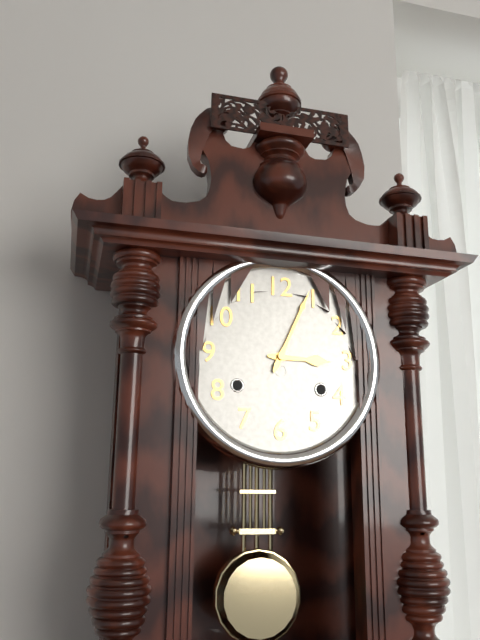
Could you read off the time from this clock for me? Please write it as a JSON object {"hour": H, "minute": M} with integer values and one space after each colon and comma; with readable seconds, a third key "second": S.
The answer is {"hour": 3, "minute": 4}
